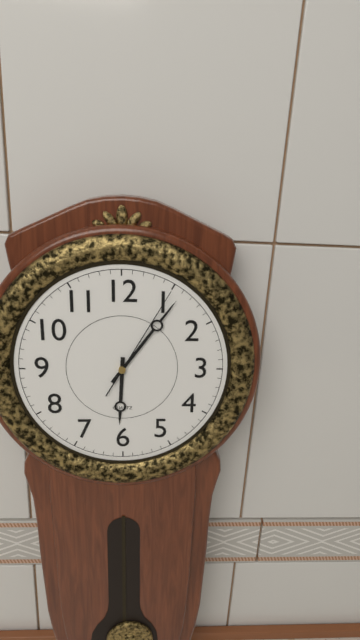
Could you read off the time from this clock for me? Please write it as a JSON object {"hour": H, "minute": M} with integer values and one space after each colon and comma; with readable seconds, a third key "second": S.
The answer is {"hour": 6, "minute": 6, "second": 5}
